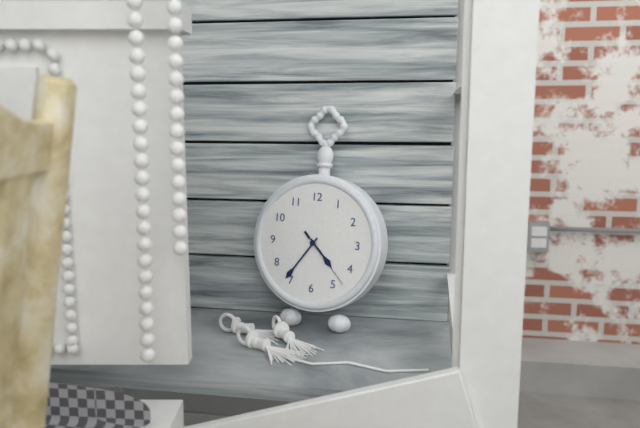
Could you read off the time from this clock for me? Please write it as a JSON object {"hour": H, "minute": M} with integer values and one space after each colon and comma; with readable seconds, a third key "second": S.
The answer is {"hour": 4, "minute": 36, "second": 23}
